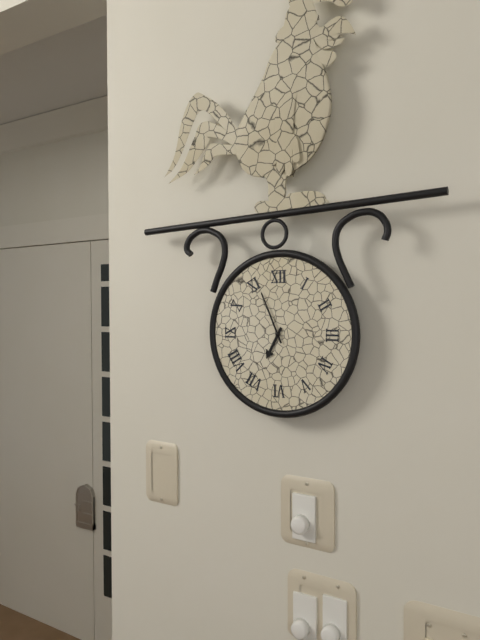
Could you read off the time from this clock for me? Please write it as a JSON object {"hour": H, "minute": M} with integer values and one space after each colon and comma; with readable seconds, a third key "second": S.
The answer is {"hour": 6, "minute": 56}
